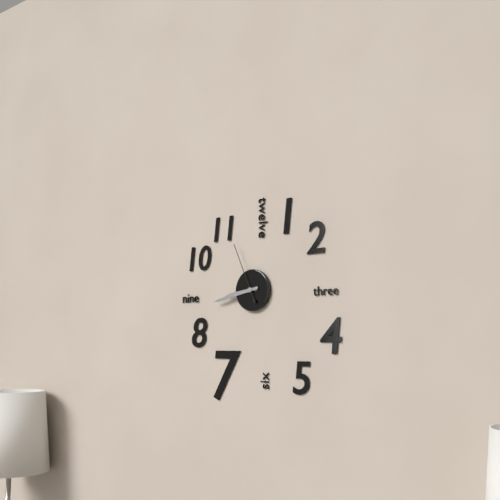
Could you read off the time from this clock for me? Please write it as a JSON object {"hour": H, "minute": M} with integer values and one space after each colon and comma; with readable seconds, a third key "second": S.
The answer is {"hour": 8, "minute": 43, "second": 56}
